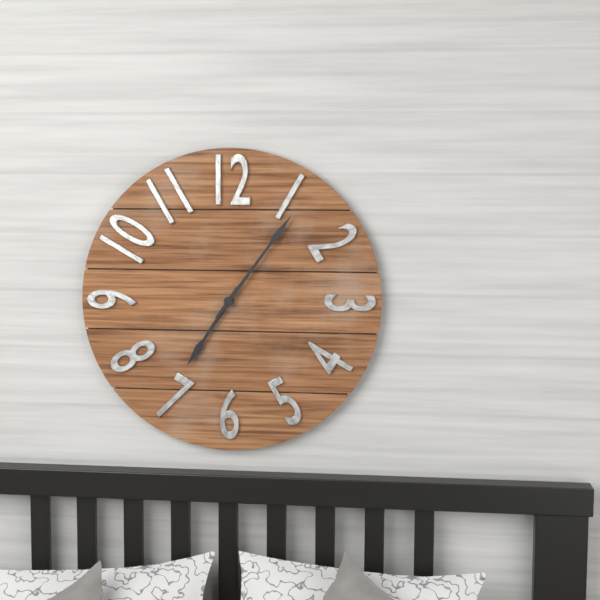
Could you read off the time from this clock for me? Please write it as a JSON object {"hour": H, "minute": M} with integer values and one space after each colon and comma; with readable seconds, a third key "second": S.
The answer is {"hour": 7, "minute": 6}
